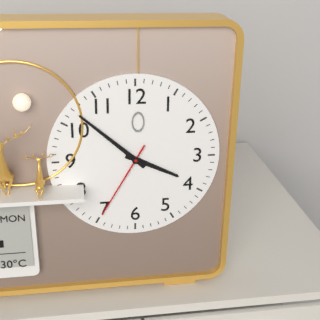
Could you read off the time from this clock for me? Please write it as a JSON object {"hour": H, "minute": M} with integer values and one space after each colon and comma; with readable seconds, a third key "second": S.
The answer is {"hour": 3, "minute": 52, "second": 35}
